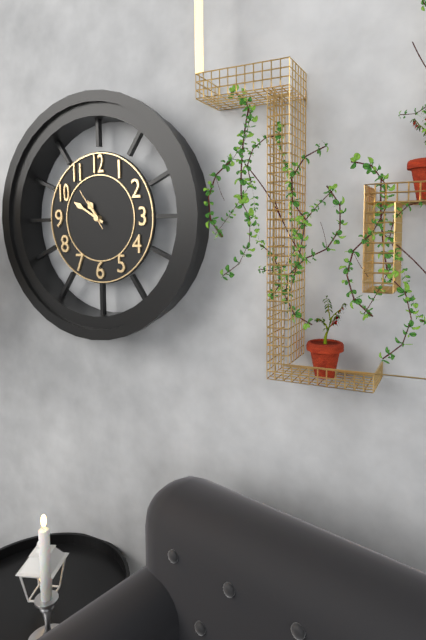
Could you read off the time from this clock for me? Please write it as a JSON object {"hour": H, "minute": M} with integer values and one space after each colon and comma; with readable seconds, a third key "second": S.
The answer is {"hour": 10, "minute": 50}
